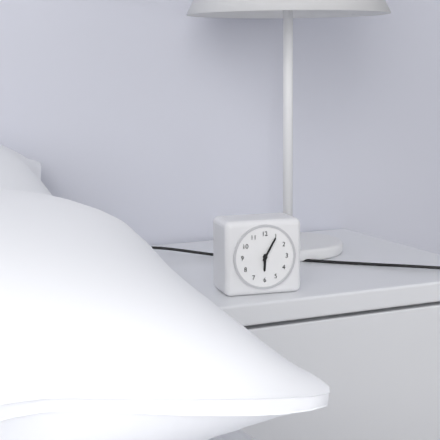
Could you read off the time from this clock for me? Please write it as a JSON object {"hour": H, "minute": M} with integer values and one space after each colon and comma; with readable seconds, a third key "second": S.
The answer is {"hour": 6, "minute": 5}
